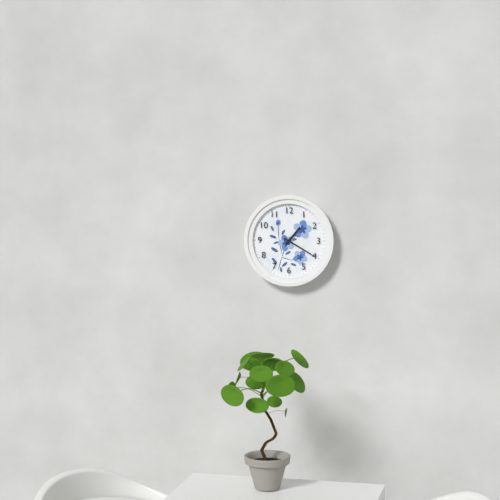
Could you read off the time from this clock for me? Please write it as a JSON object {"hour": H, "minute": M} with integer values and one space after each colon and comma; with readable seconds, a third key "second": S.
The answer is {"hour": 1, "minute": 20}
